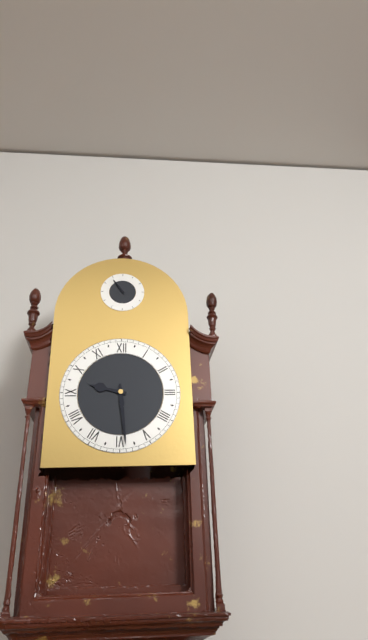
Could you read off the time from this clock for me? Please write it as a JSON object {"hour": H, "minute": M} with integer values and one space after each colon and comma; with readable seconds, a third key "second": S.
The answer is {"hour": 9, "minute": 29}
